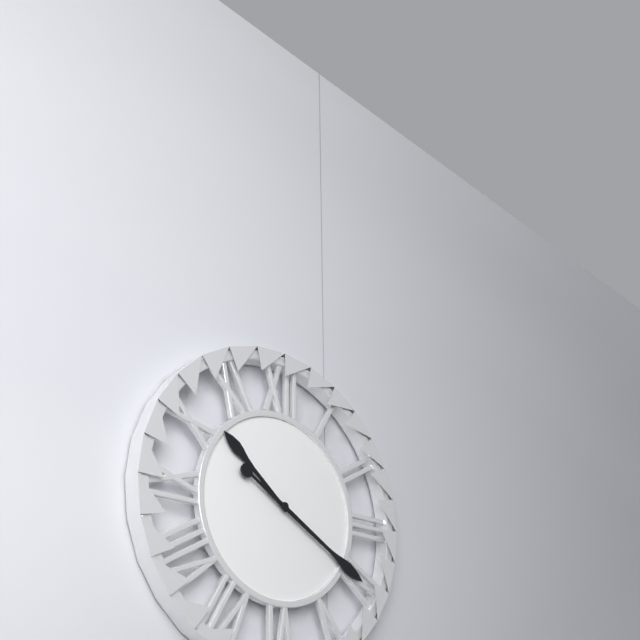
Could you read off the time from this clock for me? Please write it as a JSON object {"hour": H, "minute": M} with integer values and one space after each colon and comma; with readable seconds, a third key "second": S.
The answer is {"hour": 10, "minute": 20}
